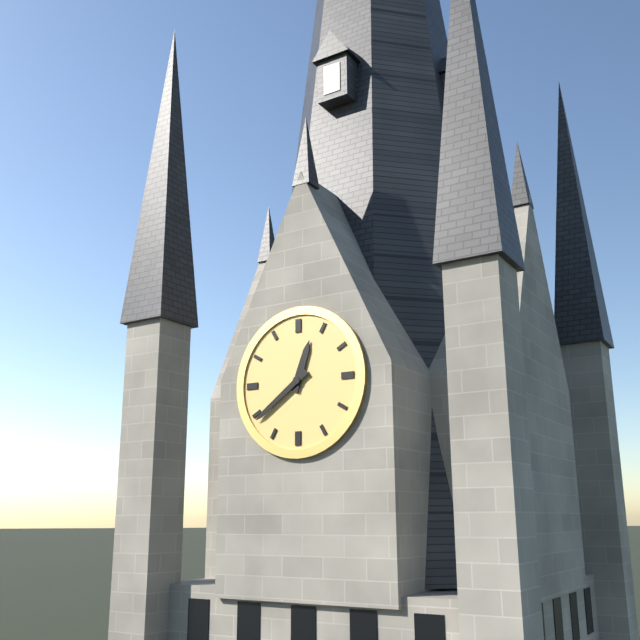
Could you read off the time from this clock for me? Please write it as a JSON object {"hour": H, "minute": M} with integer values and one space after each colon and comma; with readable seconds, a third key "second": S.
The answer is {"hour": 12, "minute": 39}
